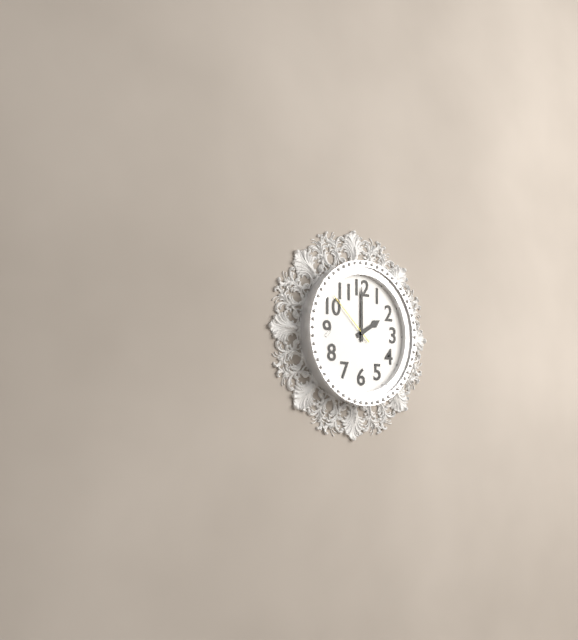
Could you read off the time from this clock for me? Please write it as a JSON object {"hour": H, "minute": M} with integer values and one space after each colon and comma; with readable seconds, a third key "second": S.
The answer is {"hour": 2, "minute": 0, "second": 52}
